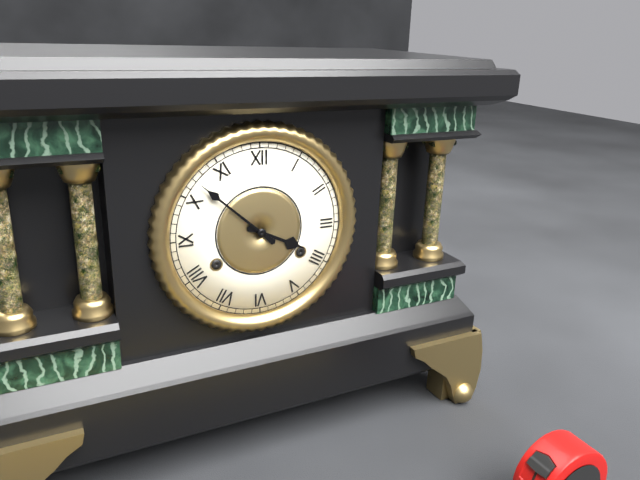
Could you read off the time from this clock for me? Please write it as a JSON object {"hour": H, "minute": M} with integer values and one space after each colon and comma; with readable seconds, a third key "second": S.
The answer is {"hour": 3, "minute": 52}
